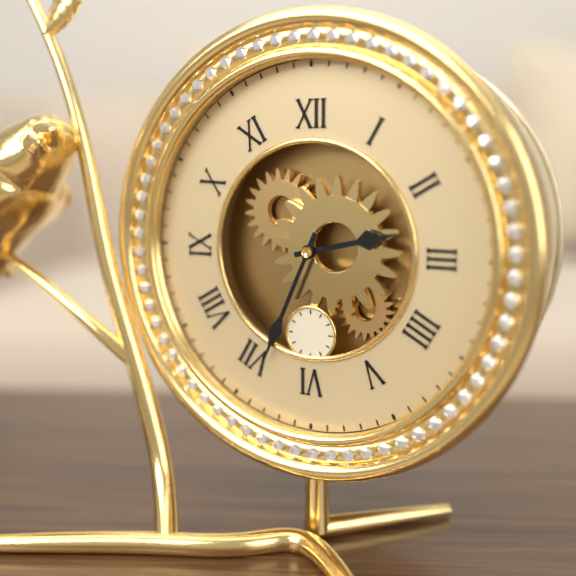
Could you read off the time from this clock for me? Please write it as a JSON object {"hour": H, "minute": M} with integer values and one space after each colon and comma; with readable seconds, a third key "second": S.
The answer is {"hour": 2, "minute": 34}
